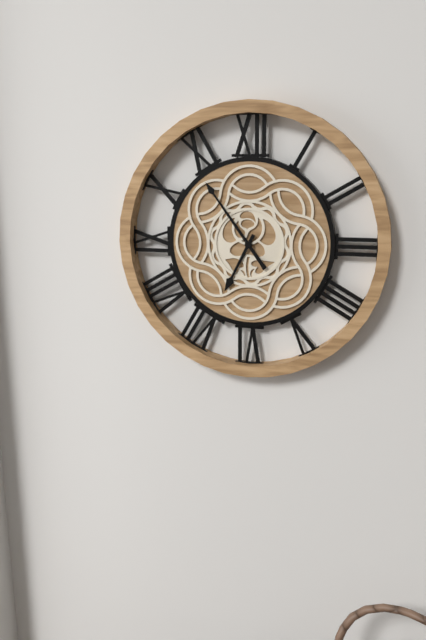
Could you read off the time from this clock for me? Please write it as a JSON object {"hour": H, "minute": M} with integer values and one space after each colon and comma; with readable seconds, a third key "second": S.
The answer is {"hour": 6, "minute": 54}
